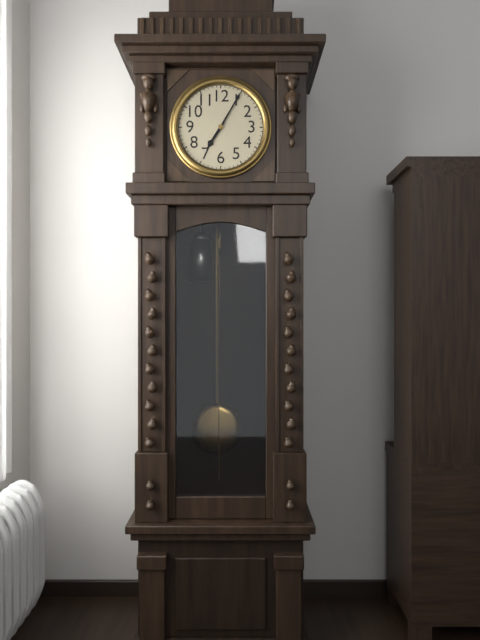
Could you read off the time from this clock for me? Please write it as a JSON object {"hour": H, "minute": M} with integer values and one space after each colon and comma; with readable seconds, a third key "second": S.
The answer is {"hour": 7, "minute": 5}
